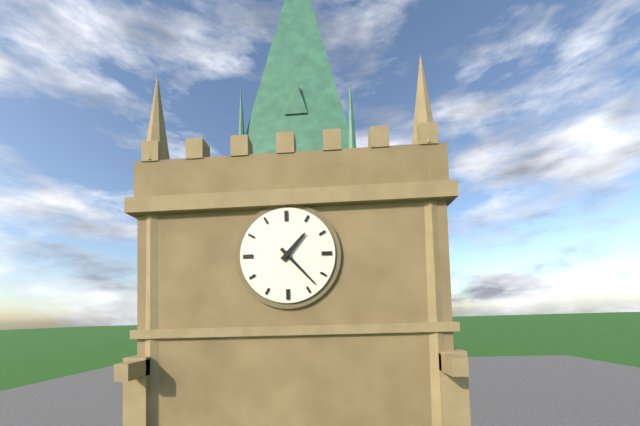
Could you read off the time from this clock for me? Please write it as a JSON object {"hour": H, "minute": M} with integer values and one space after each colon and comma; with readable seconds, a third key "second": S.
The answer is {"hour": 1, "minute": 23}
